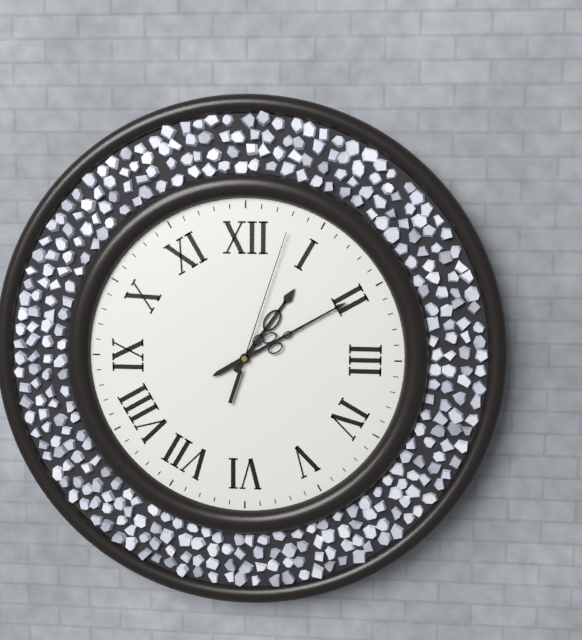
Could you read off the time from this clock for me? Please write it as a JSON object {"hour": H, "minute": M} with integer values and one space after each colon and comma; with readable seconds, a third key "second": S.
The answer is {"hour": 1, "minute": 10, "second": 3}
